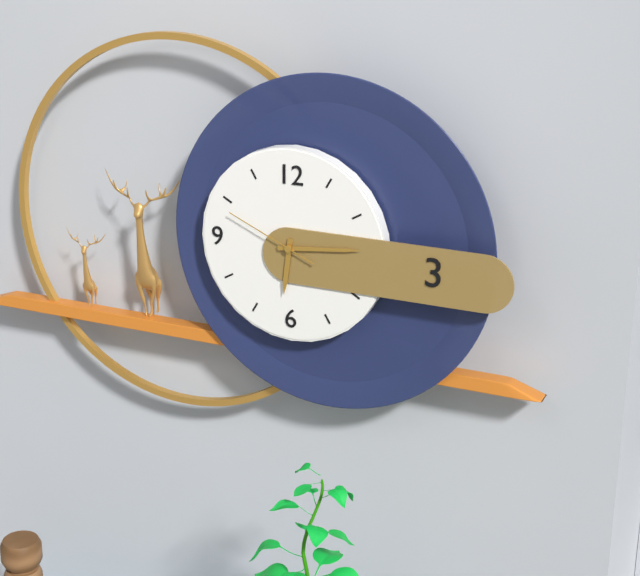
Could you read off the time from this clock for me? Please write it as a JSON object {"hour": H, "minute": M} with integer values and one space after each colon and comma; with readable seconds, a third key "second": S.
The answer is {"hour": 6, "minute": 14, "second": 49}
